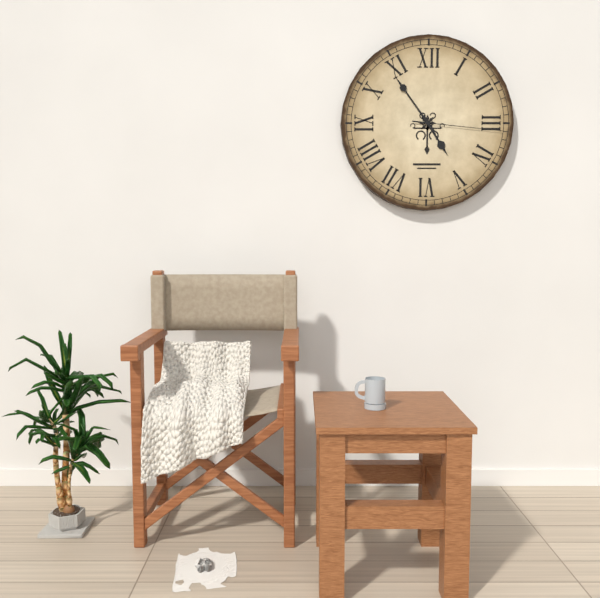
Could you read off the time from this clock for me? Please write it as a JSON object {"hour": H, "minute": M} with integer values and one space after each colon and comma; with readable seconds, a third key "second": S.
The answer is {"hour": 4, "minute": 54, "second": 16}
